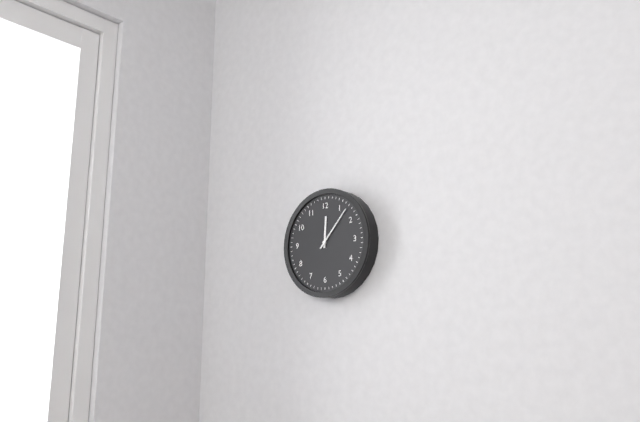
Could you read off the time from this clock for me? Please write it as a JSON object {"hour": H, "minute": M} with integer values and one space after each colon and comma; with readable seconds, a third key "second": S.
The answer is {"hour": 12, "minute": 7}
